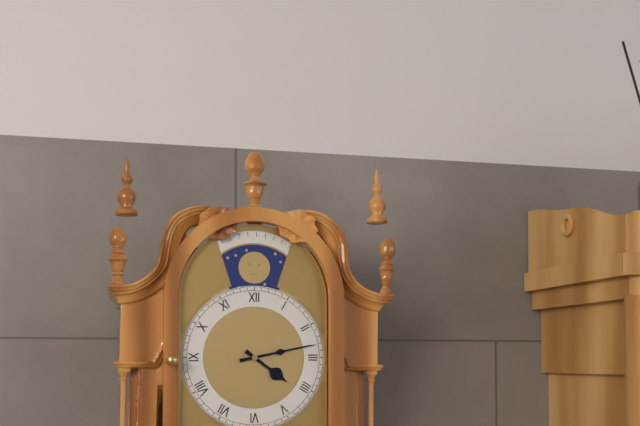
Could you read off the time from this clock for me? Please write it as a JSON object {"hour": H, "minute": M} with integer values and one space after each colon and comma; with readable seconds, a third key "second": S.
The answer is {"hour": 4, "minute": 13}
